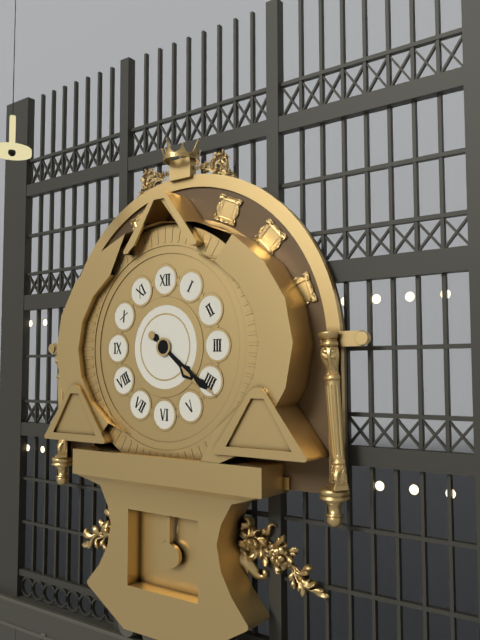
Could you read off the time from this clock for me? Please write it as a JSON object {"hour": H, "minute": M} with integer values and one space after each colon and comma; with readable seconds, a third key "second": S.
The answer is {"hour": 4, "minute": 21}
